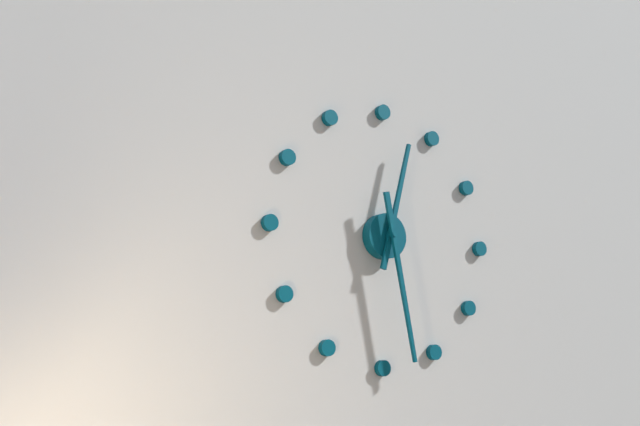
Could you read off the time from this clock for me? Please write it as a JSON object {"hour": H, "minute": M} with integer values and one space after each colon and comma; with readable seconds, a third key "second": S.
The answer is {"hour": 12, "minute": 28}
